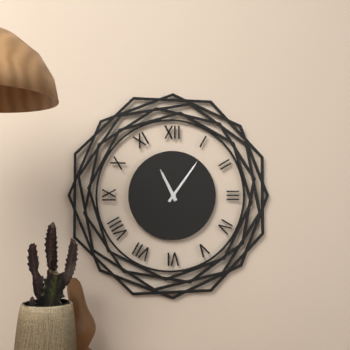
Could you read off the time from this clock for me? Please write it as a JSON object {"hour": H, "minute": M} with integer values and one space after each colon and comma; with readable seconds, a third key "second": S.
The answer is {"hour": 11, "minute": 6}
